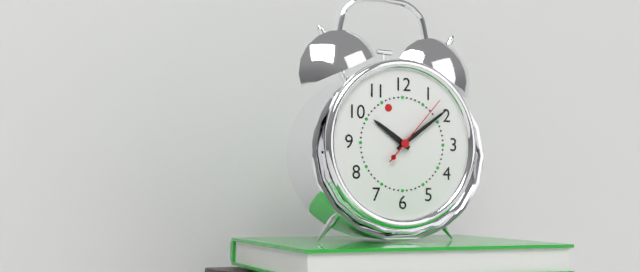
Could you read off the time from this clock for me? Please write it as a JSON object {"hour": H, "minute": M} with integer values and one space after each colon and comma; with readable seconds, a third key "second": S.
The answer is {"hour": 10, "minute": 9, "second": 7}
